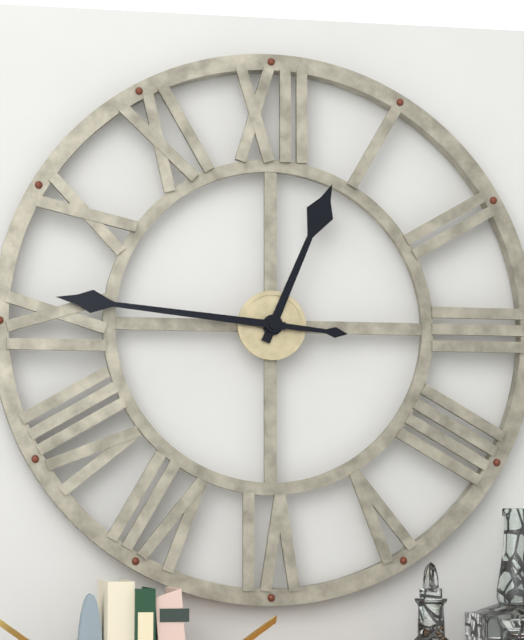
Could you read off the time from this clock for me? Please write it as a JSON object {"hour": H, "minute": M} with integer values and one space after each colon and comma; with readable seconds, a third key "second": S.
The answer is {"hour": 12, "minute": 46}
